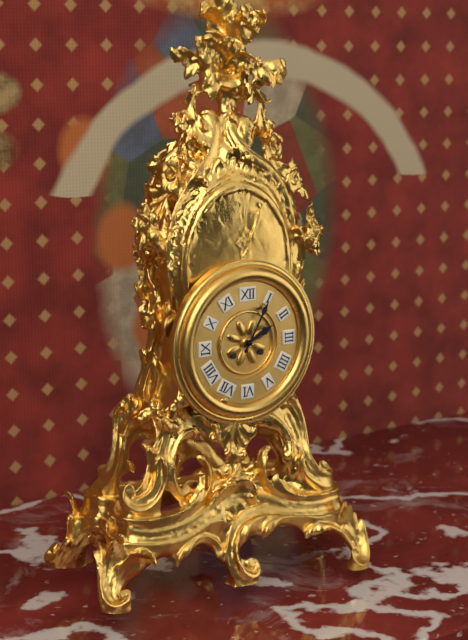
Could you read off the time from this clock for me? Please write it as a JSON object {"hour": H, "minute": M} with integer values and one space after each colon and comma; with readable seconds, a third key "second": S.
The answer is {"hour": 2, "minute": 5}
